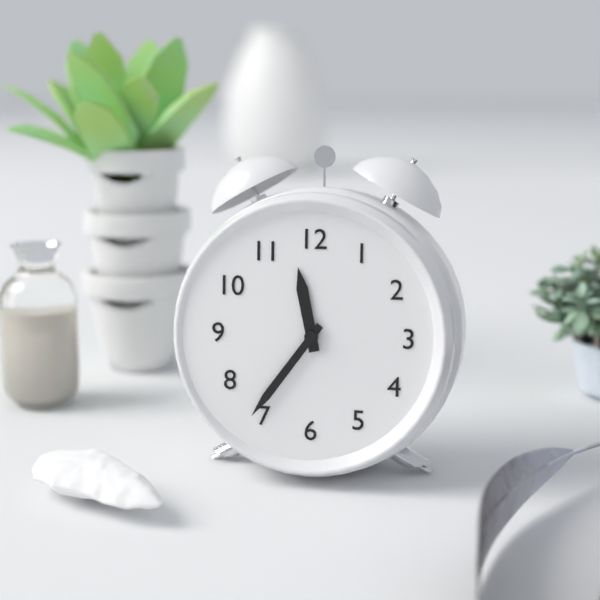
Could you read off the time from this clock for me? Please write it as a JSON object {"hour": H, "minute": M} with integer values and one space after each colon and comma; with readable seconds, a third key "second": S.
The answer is {"hour": 11, "minute": 36}
